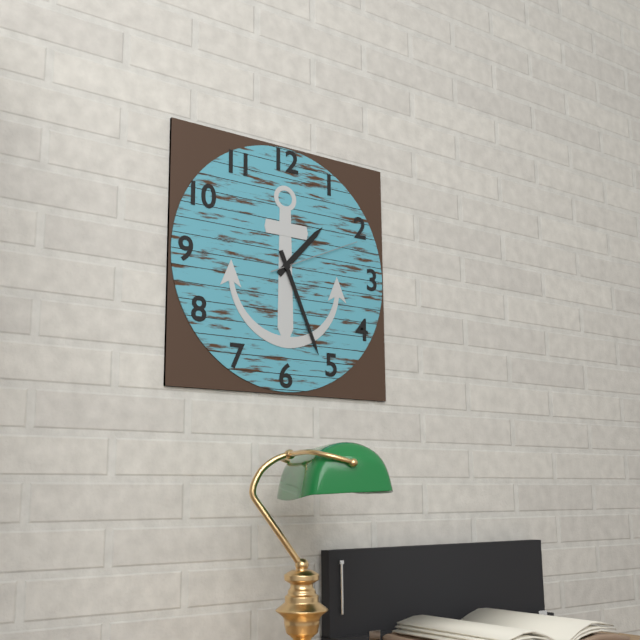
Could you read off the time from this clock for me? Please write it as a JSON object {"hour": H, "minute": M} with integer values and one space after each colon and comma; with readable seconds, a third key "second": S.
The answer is {"hour": 1, "minute": 26, "second": 11}
